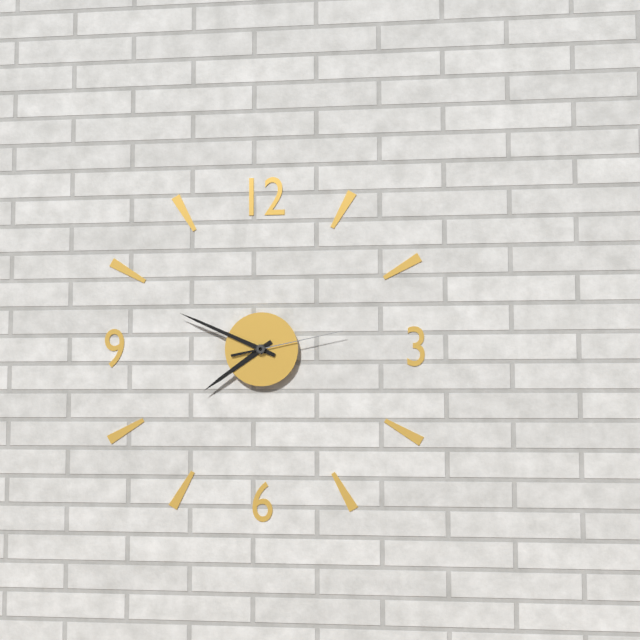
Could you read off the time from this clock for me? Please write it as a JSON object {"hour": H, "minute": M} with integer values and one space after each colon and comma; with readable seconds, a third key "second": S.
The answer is {"hour": 7, "minute": 49, "second": 13}
